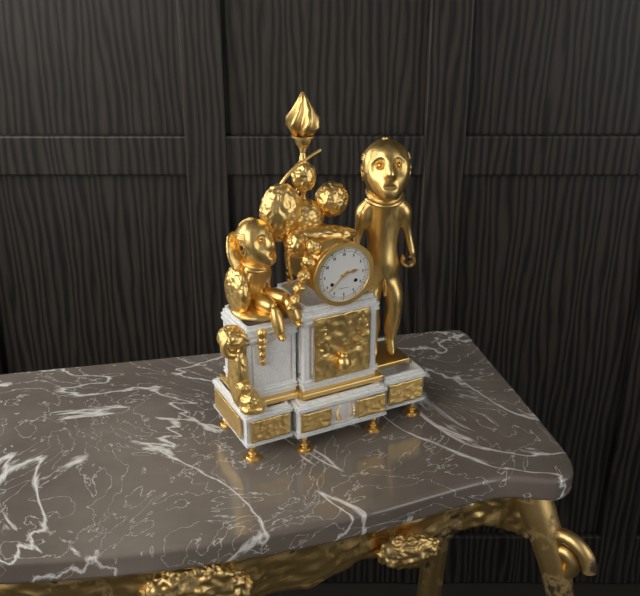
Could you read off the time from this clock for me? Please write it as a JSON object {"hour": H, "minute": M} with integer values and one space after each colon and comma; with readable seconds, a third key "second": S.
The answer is {"hour": 2, "minute": 38}
